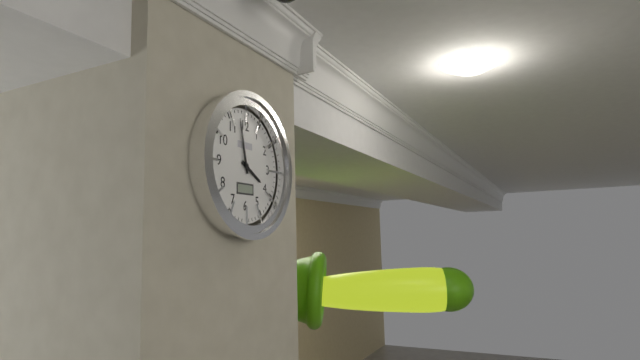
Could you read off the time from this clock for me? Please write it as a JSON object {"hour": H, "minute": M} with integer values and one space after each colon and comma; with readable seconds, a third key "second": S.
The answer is {"hour": 3, "minute": 58}
